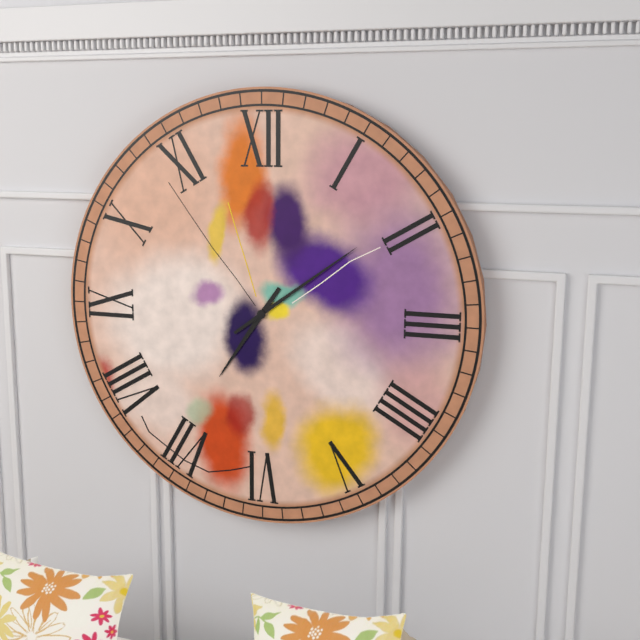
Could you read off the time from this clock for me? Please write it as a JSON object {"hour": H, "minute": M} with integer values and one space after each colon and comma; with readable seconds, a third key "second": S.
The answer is {"hour": 7, "minute": 9}
